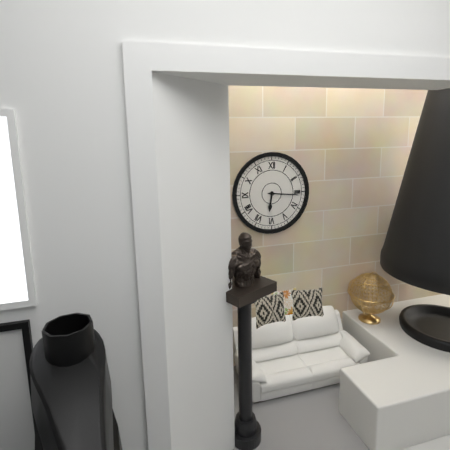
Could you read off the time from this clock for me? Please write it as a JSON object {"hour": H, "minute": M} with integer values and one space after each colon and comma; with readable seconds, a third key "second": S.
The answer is {"hour": 6, "minute": 16}
